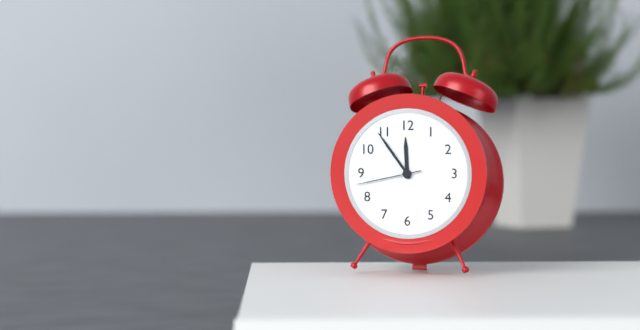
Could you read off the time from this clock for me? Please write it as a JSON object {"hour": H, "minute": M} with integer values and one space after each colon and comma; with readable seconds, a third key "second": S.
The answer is {"hour": 11, "minute": 54, "second": 43}
